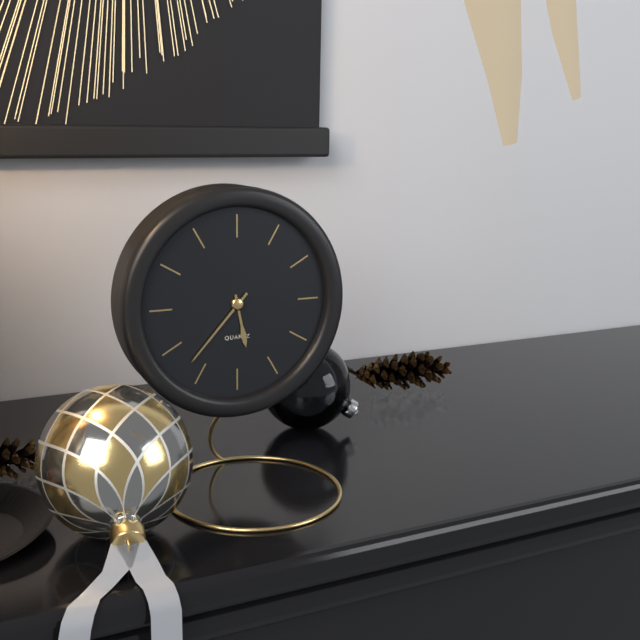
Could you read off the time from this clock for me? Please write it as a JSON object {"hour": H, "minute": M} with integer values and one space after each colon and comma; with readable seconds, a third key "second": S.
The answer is {"hour": 5, "minute": 37}
